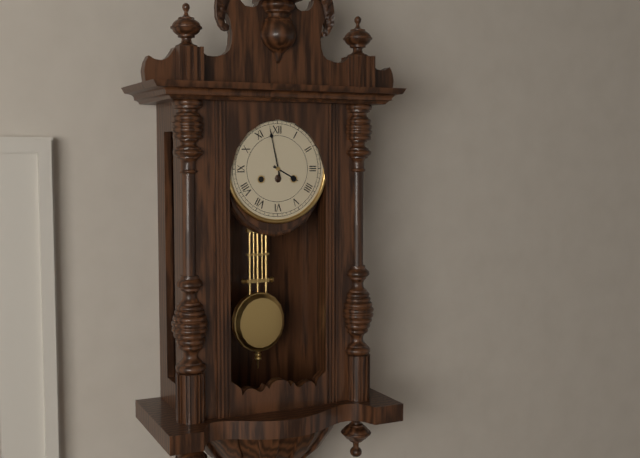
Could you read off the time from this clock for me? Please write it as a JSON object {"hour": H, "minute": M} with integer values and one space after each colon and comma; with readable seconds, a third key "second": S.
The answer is {"hour": 3, "minute": 58}
